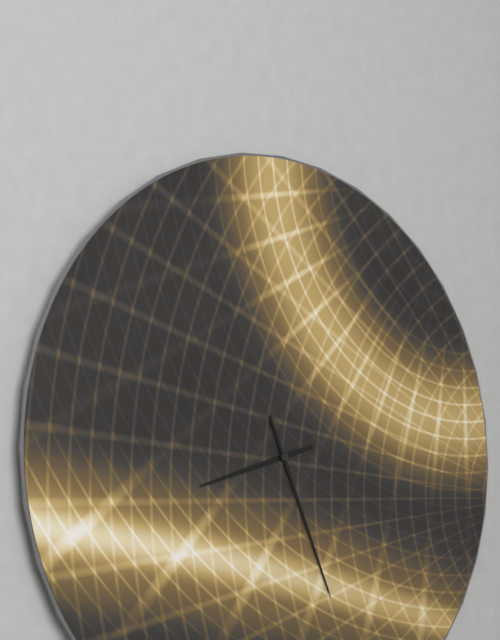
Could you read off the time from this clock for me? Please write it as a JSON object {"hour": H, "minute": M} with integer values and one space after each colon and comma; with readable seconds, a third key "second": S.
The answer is {"hour": 8, "minute": 26}
